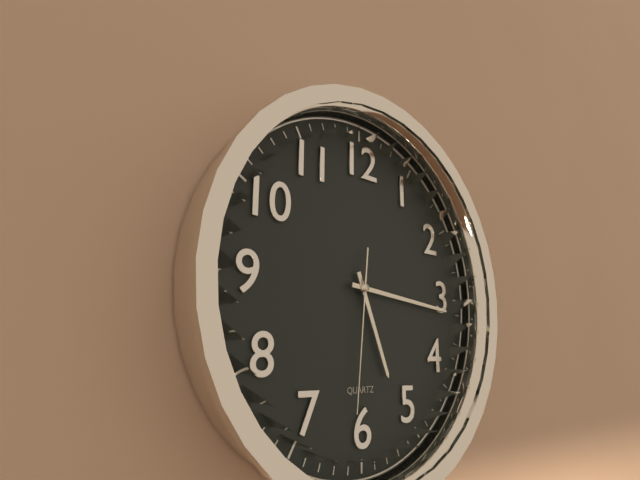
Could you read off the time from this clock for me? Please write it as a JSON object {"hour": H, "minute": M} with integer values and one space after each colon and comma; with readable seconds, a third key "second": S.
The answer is {"hour": 5, "minute": 16, "second": 31}
